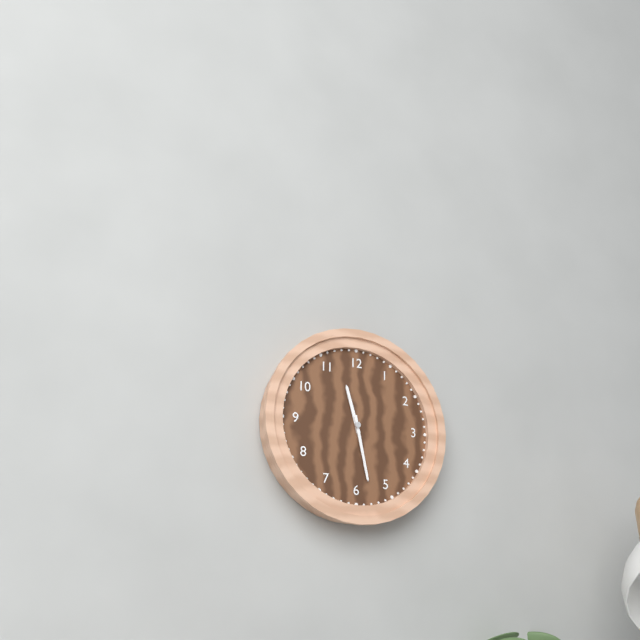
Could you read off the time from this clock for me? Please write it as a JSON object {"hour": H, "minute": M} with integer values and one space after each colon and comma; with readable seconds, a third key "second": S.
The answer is {"hour": 11, "minute": 28}
